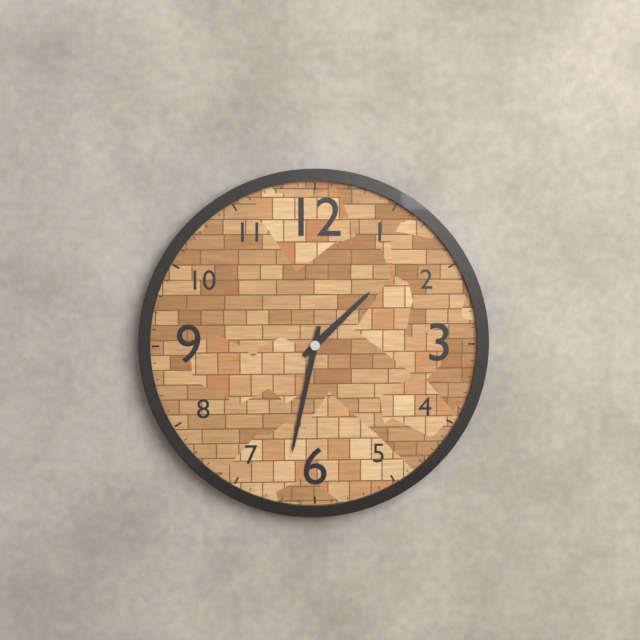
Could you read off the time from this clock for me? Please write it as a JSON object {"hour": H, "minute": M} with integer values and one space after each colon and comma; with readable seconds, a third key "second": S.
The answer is {"hour": 1, "minute": 32}
